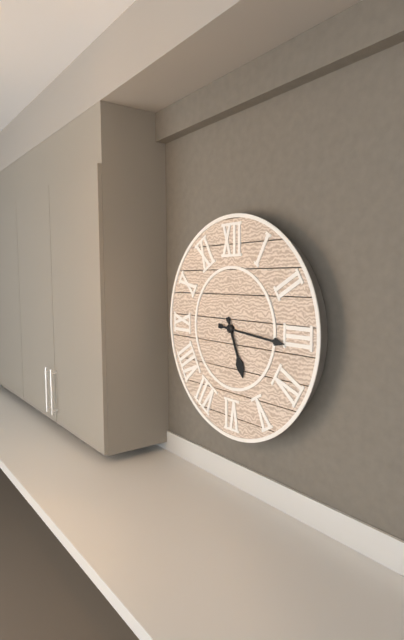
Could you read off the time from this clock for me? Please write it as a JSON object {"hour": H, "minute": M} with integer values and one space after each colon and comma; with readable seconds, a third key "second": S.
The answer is {"hour": 5, "minute": 16}
